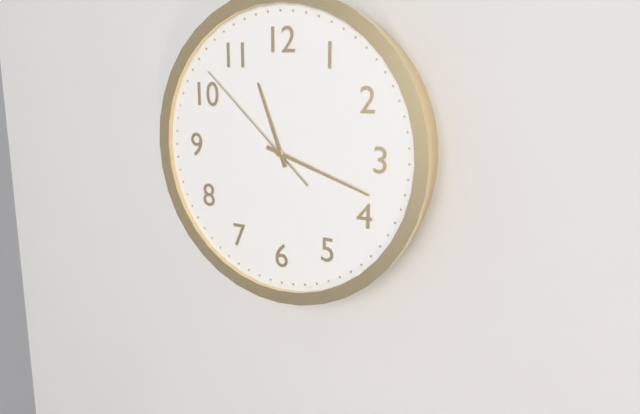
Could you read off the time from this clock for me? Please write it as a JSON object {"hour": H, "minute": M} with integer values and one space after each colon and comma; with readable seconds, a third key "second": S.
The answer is {"hour": 11, "minute": 18, "second": 52}
